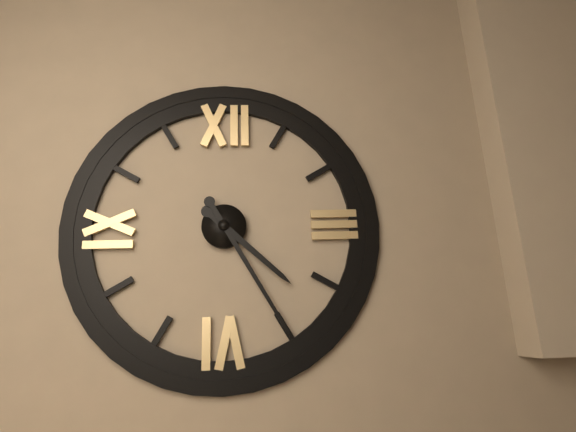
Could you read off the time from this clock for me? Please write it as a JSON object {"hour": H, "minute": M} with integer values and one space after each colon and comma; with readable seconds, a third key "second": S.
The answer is {"hour": 4, "minute": 25}
